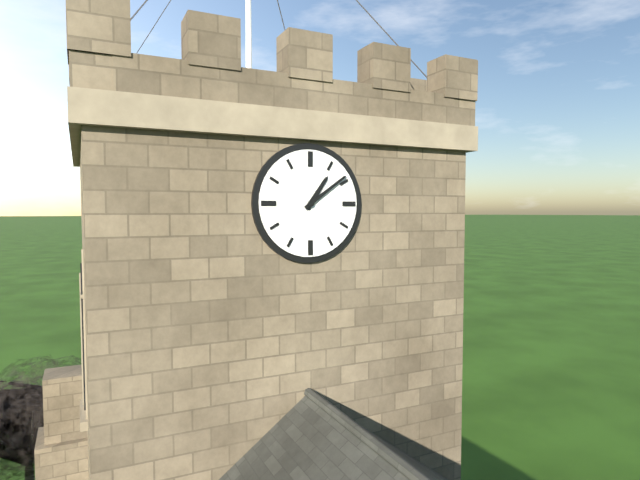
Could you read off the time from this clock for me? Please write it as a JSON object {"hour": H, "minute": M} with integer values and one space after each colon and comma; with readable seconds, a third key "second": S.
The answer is {"hour": 1, "minute": 9}
